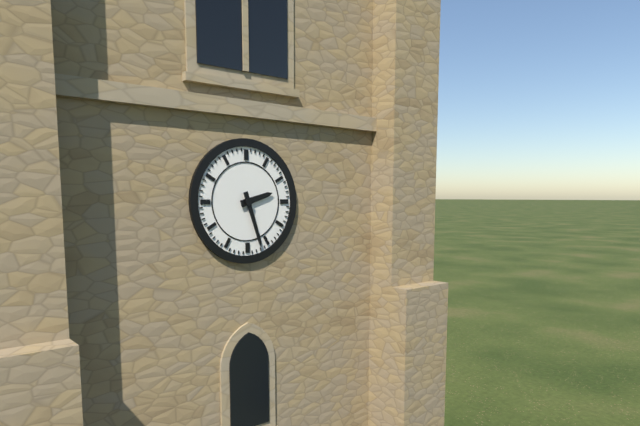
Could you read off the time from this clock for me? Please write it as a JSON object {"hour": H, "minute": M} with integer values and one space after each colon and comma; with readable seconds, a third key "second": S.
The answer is {"hour": 2, "minute": 27}
